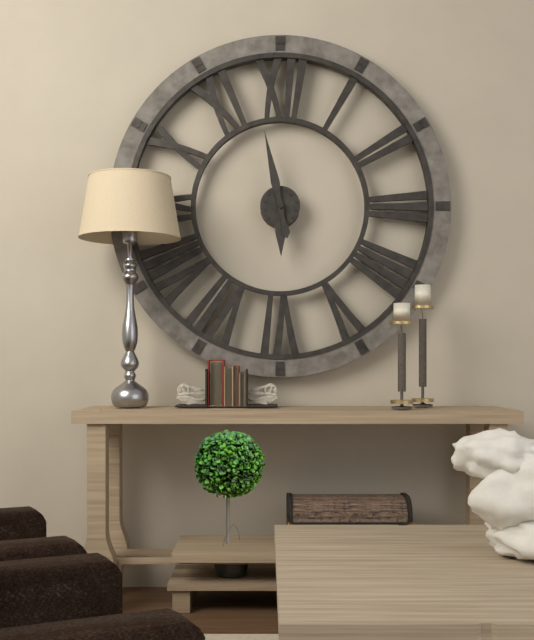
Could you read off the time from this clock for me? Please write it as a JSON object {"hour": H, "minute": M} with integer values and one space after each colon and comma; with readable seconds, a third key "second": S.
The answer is {"hour": 5, "minute": 58}
